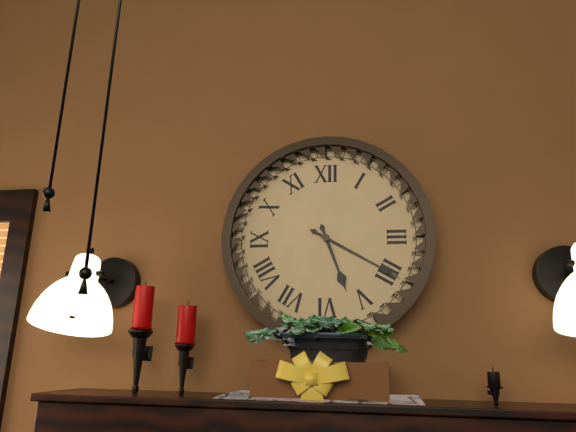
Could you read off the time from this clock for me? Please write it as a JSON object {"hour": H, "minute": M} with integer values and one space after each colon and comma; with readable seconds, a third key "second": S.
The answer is {"hour": 5, "minute": 20}
